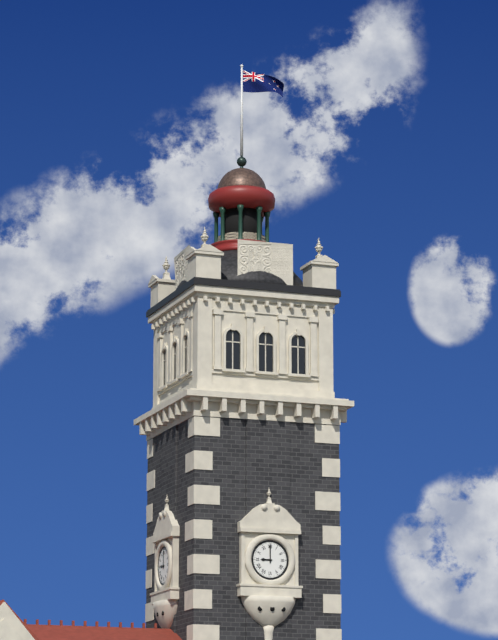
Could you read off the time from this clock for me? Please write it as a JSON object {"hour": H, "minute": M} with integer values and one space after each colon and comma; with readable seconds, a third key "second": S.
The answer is {"hour": 9, "minute": 0}
